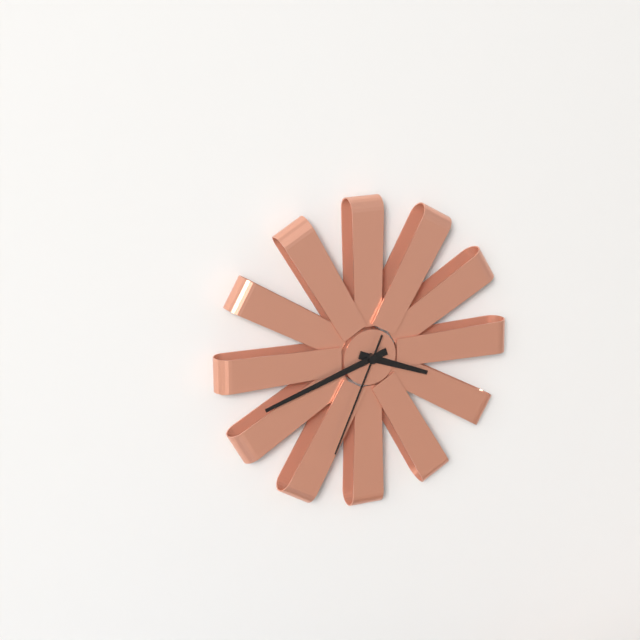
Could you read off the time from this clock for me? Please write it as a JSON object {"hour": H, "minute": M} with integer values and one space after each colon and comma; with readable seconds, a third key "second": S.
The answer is {"hour": 3, "minute": 42, "second": 34}
